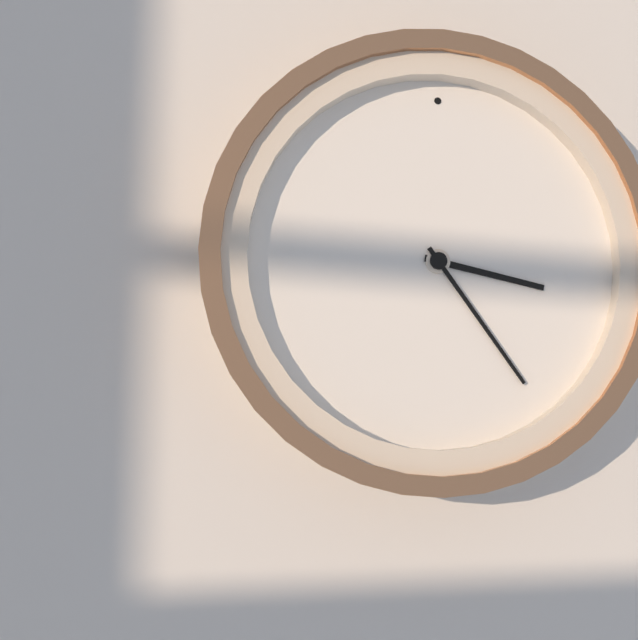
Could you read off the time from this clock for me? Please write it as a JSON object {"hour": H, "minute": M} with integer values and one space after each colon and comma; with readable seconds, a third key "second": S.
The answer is {"hour": 3, "minute": 24}
